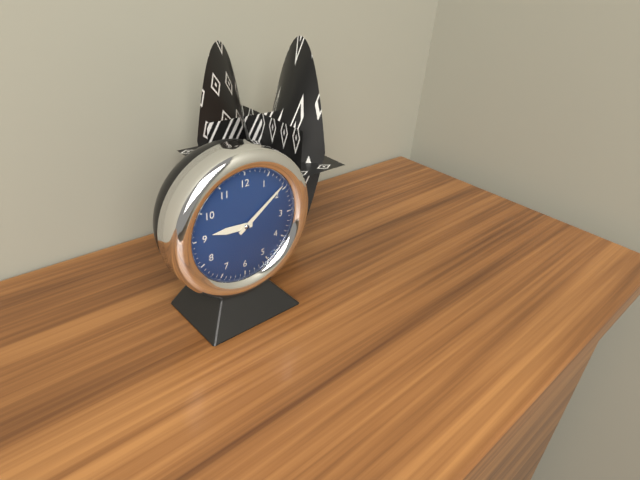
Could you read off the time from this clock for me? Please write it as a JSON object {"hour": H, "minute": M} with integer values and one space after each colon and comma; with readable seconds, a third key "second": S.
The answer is {"hour": 9, "minute": 9}
